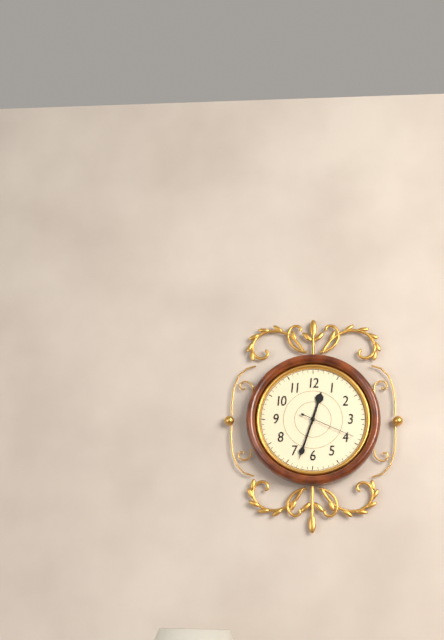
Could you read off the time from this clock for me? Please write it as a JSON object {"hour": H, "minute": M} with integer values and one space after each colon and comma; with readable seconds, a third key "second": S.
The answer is {"hour": 12, "minute": 33, "second": 19}
